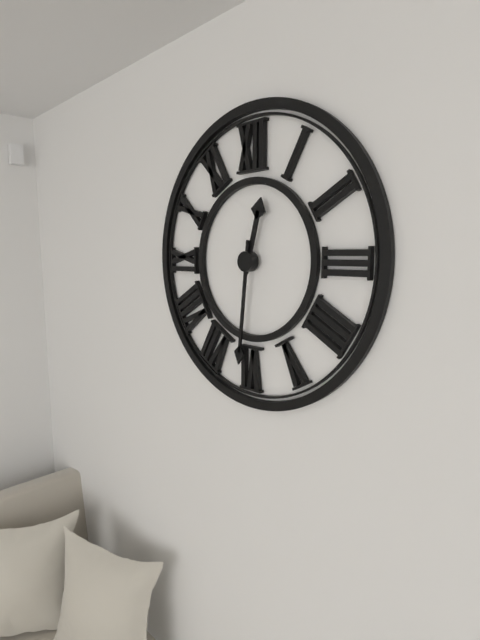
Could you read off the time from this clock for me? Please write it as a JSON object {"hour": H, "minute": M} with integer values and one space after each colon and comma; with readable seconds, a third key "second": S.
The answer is {"hour": 12, "minute": 31}
